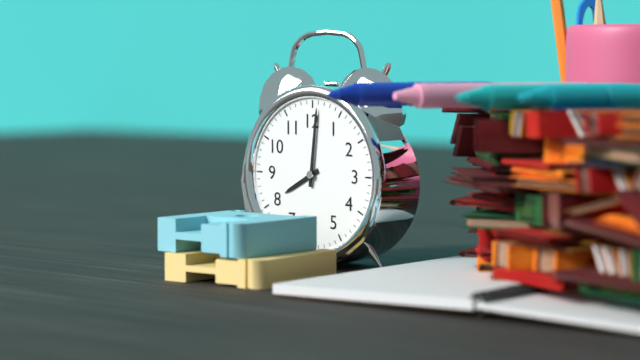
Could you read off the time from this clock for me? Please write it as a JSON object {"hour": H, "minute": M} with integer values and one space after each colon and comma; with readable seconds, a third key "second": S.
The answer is {"hour": 8, "minute": 1}
